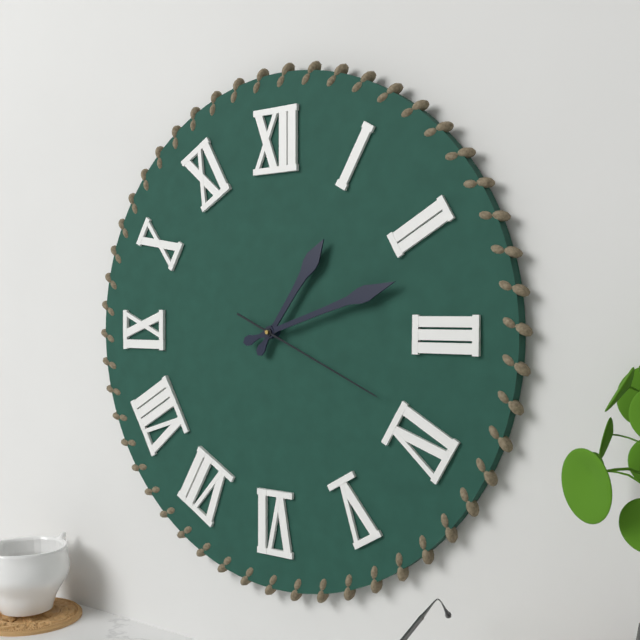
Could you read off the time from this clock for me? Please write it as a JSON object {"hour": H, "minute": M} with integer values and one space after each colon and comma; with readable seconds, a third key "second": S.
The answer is {"hour": 1, "minute": 12, "second": 19}
